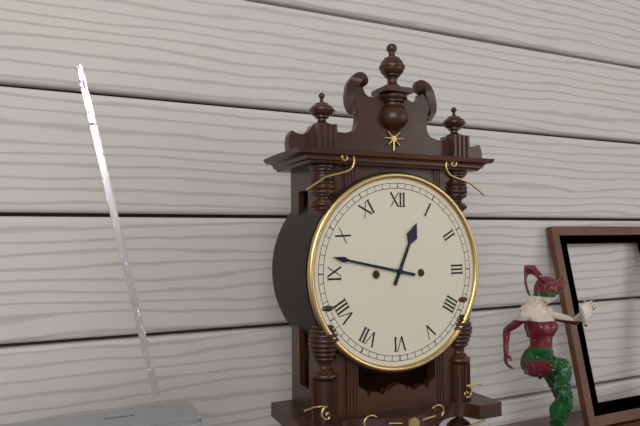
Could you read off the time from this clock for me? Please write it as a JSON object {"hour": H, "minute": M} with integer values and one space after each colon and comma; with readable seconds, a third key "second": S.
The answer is {"hour": 12, "minute": 47}
